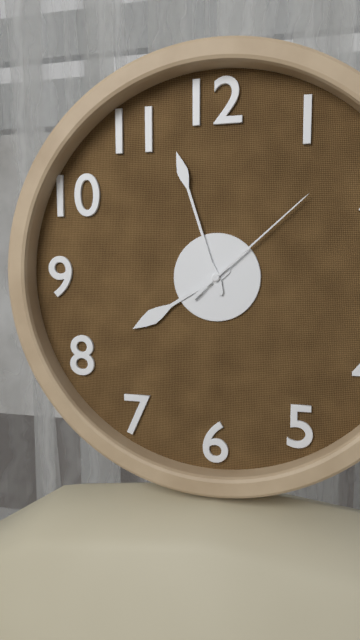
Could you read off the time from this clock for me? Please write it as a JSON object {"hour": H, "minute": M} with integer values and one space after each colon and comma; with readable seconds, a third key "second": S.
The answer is {"hour": 7, "minute": 57, "second": 8}
